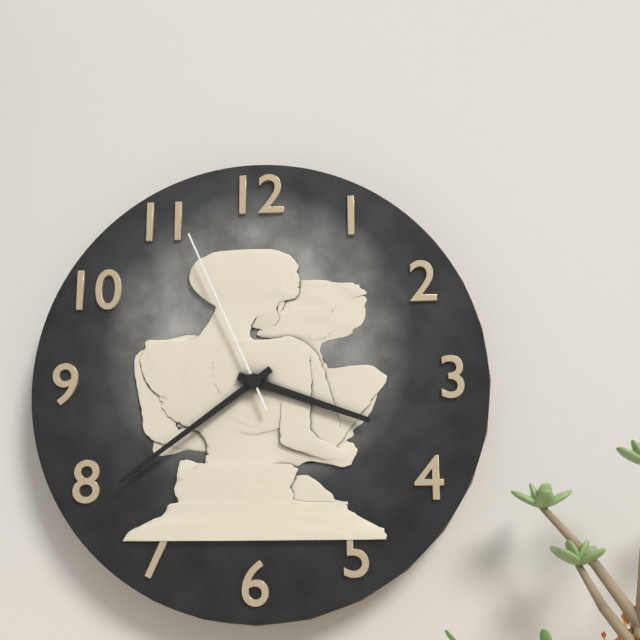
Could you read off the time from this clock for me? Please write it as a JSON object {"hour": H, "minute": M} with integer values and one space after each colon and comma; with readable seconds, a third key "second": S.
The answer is {"hour": 3, "minute": 39, "second": 56}
